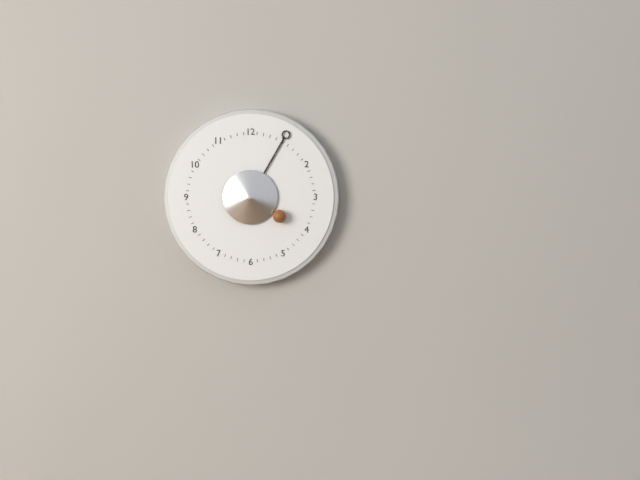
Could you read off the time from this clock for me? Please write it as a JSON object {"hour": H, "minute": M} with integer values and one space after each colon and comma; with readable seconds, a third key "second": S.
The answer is {"hour": 4, "minute": 5}
